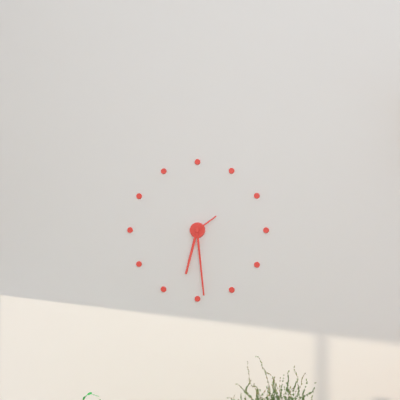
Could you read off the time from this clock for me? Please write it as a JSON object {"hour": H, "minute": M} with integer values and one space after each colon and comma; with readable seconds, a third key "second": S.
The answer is {"hour": 6, "minute": 29}
